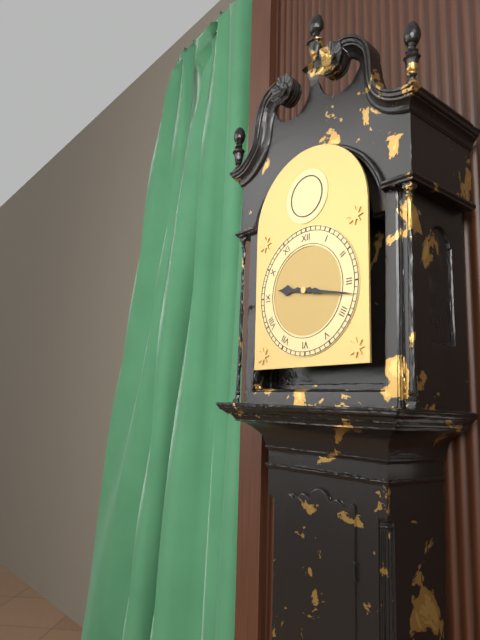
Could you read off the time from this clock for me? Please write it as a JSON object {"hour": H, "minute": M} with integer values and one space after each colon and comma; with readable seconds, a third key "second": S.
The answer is {"hour": 9, "minute": 17}
